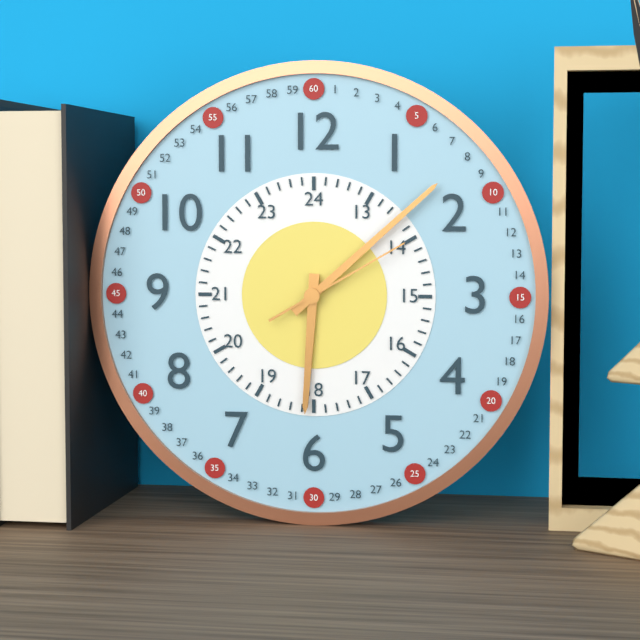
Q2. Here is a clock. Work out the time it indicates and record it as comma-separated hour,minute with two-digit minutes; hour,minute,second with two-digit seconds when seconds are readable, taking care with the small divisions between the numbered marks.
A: 6,08,10
